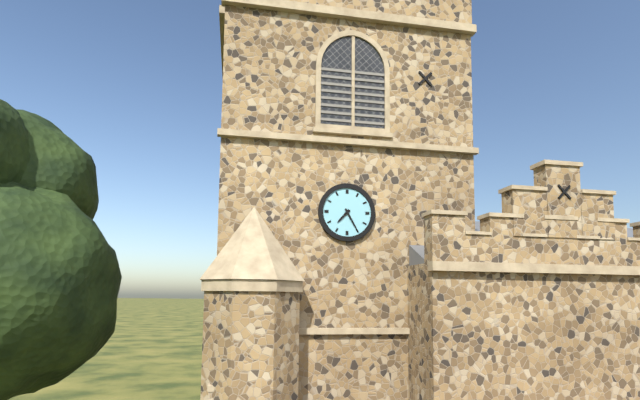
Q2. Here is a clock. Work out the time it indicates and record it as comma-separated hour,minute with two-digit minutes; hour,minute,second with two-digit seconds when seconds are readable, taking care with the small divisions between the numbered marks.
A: 7,25
